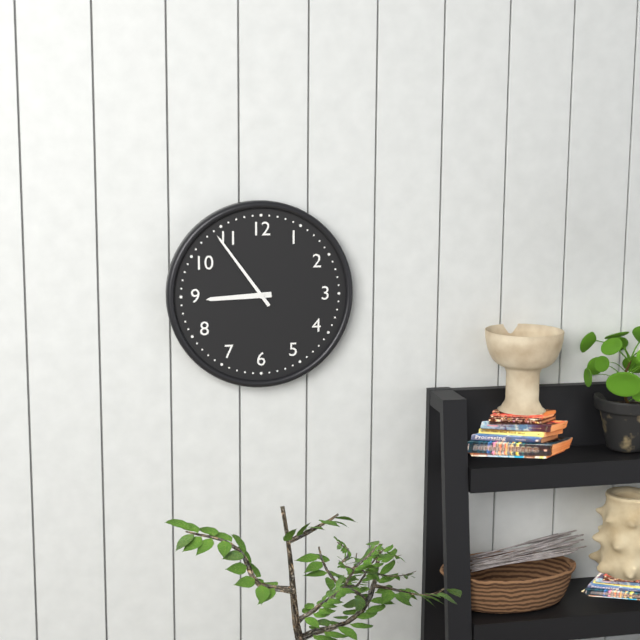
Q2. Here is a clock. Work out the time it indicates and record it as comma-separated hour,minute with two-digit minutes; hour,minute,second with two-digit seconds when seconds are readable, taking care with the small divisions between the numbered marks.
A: 8,54
